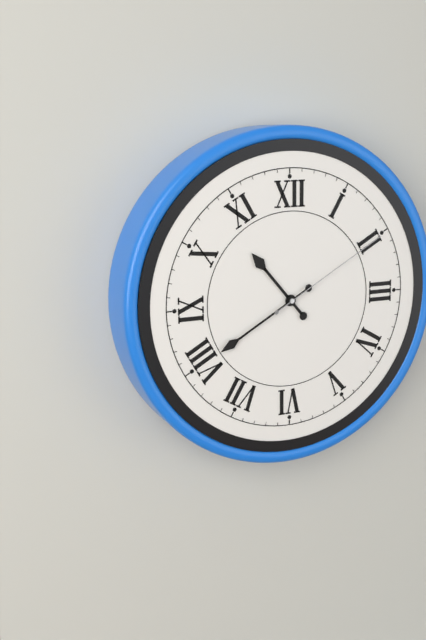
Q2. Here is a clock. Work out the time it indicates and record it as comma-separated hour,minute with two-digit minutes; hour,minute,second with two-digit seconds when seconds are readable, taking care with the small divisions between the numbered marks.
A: 10,40,10
